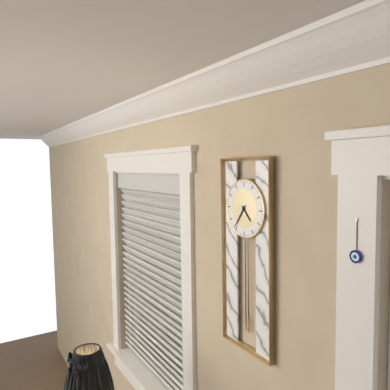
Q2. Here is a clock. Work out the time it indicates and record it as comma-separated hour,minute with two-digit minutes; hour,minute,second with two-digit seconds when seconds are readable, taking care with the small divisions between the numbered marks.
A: 4,36
